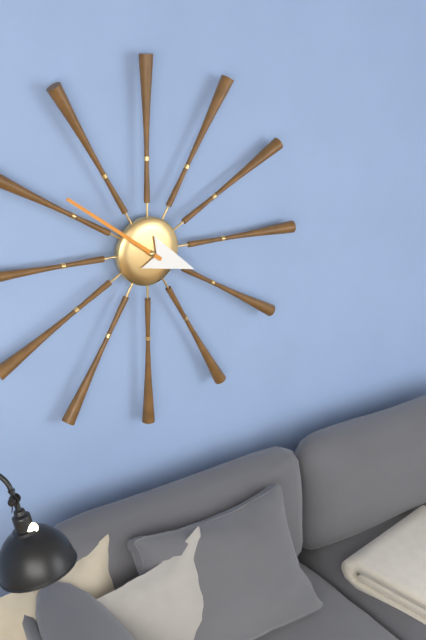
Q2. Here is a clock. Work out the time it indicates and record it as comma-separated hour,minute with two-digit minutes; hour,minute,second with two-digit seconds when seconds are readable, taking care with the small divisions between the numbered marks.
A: 3,51
